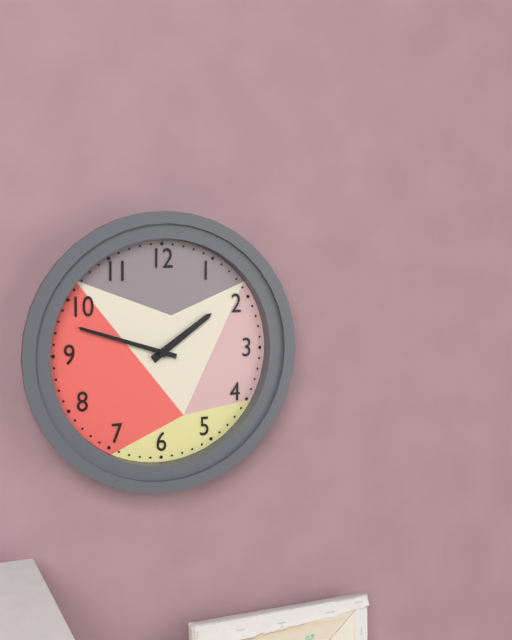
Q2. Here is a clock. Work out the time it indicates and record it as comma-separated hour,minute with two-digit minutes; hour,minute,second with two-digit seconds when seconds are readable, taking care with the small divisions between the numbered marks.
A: 1,48
